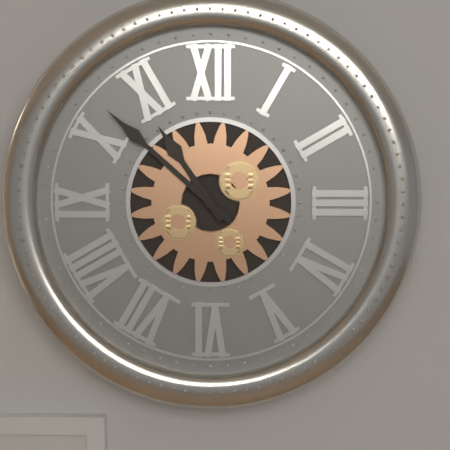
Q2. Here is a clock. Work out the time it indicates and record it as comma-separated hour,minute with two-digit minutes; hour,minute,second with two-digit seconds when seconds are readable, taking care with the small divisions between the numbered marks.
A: 10,52
